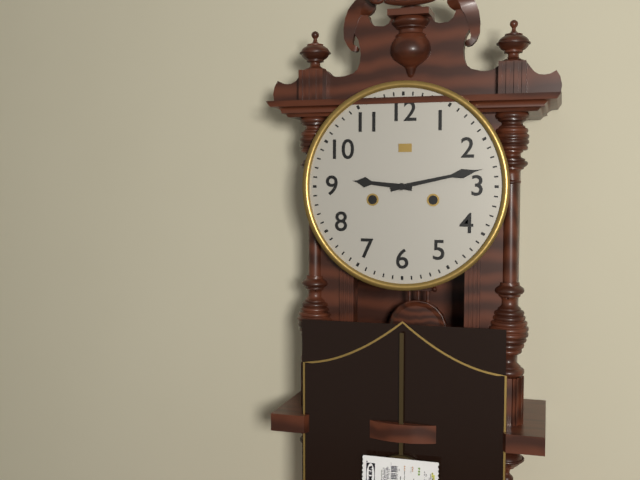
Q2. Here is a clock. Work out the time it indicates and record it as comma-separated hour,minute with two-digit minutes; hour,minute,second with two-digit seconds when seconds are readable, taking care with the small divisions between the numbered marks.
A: 9,13
